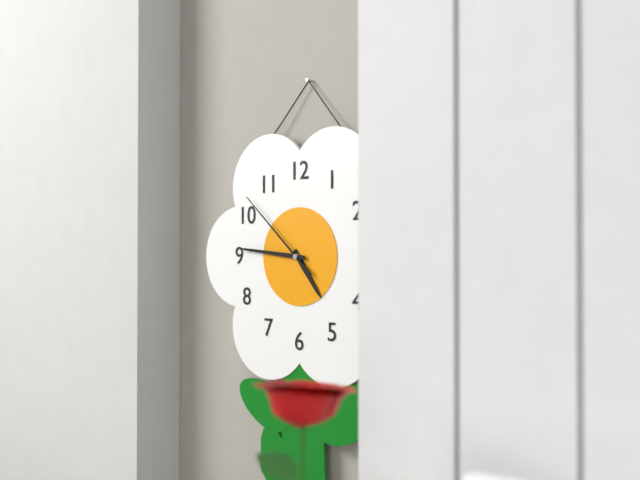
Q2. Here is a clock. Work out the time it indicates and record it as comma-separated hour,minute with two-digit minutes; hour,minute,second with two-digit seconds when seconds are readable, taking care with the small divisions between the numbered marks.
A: 4,46,52
